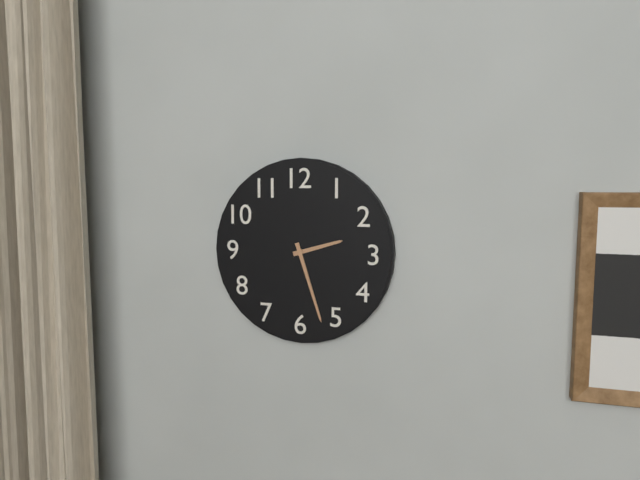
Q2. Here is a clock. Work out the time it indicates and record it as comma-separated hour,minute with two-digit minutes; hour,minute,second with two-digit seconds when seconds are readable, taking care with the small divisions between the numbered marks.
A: 2,27
